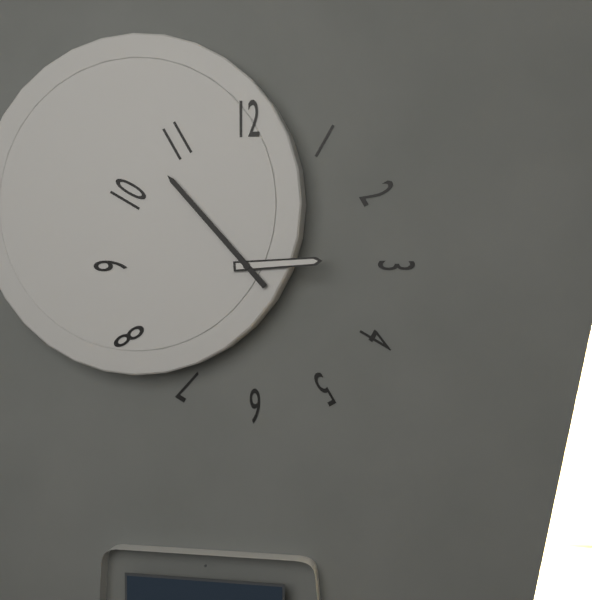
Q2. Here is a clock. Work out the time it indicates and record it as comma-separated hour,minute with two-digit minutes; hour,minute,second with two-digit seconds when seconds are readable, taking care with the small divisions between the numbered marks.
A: 2,53
